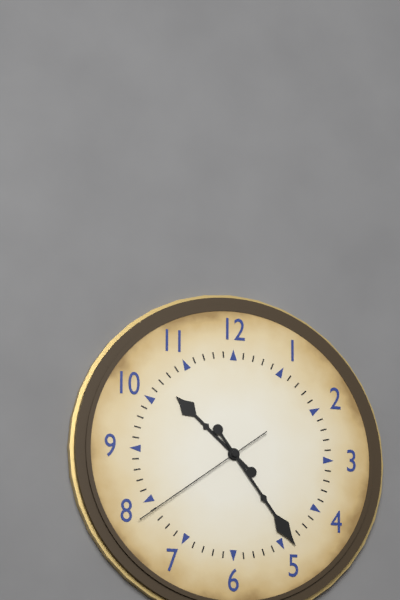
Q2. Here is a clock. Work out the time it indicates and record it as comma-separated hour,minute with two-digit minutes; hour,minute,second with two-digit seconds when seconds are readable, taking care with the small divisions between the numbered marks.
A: 10,24,39
